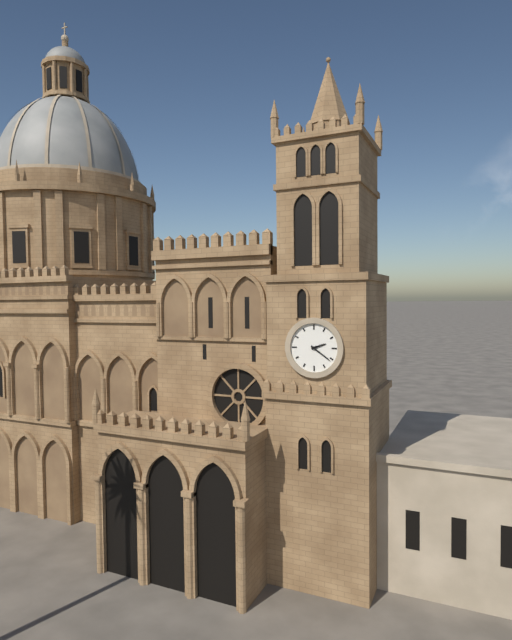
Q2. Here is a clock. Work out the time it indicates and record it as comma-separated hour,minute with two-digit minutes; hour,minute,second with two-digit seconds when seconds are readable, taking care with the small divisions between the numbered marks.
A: 2,21
